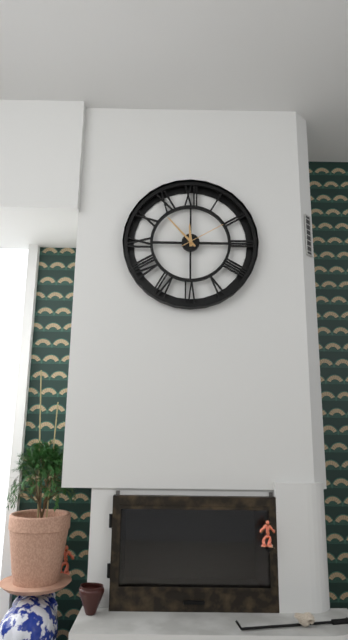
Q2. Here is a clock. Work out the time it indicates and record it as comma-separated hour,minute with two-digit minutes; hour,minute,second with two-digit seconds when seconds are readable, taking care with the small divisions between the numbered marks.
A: 11,53
